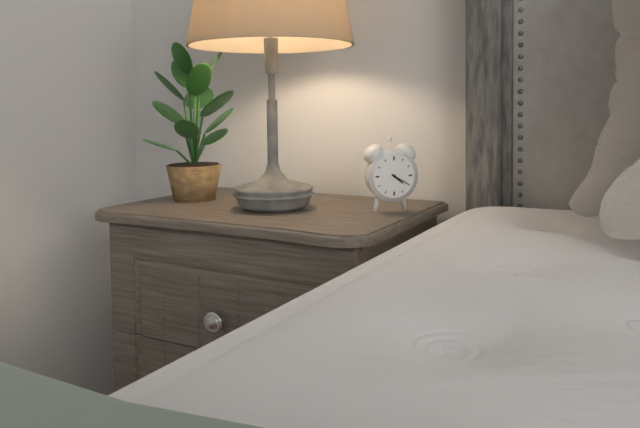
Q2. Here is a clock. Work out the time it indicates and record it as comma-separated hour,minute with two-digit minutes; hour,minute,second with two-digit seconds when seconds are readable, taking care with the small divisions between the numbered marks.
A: 4,20
